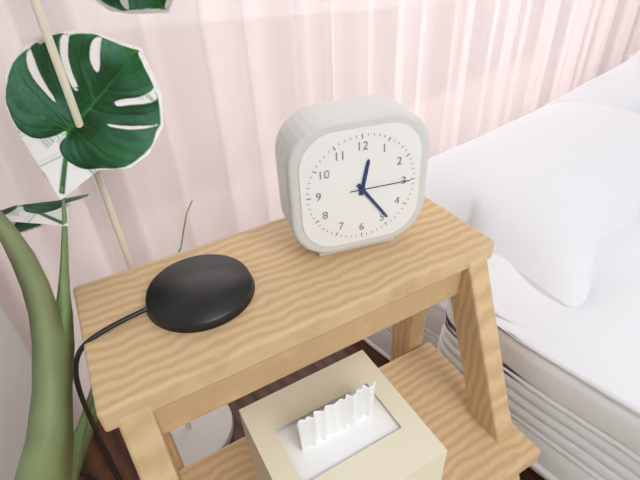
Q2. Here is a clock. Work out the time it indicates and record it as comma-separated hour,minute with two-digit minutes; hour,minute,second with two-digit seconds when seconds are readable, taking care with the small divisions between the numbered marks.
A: 12,24,15
